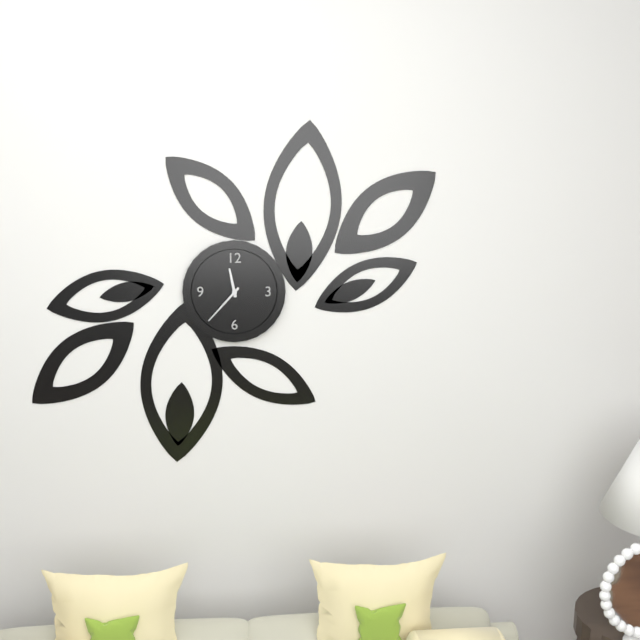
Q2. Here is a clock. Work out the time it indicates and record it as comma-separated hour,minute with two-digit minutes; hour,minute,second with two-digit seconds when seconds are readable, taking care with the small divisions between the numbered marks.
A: 11,37
